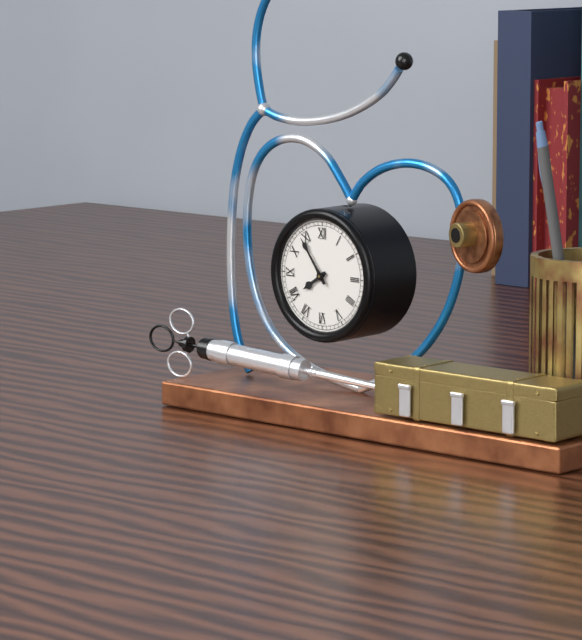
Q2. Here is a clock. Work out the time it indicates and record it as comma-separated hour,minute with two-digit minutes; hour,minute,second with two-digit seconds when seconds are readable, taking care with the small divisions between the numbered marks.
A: 7,54
